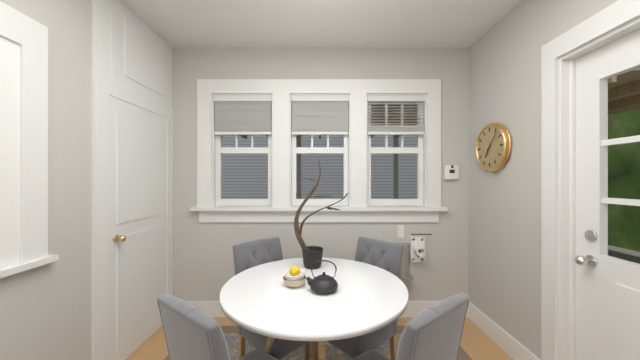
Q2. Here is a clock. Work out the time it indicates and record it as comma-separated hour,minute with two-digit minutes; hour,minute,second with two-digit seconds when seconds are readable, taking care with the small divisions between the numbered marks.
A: 7,07
